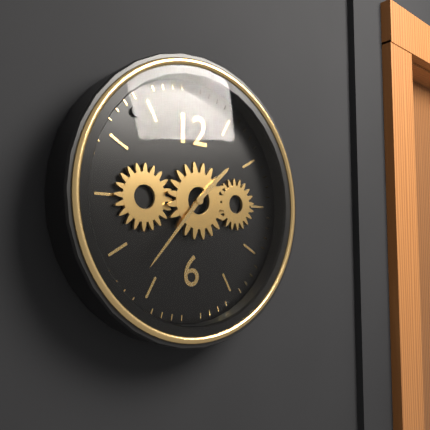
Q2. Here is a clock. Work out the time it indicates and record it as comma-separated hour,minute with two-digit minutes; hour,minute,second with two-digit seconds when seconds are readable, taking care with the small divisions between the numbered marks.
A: 1,37
